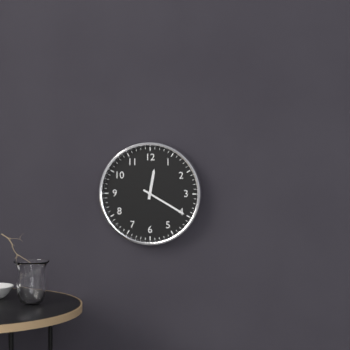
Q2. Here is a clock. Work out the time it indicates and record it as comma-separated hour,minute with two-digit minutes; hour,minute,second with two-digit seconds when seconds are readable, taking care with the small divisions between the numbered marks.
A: 12,20
